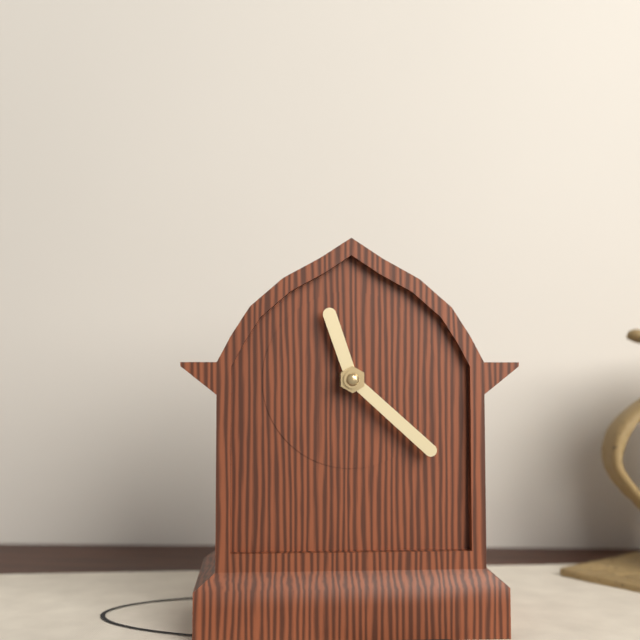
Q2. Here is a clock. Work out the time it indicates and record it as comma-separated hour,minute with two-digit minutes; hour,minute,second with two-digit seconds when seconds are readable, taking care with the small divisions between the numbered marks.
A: 11,22
